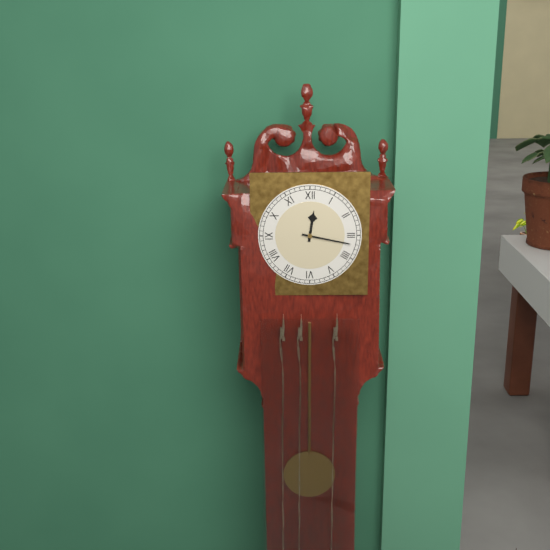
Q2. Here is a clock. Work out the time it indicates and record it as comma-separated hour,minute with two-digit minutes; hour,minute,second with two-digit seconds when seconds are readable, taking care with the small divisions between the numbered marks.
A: 12,17
